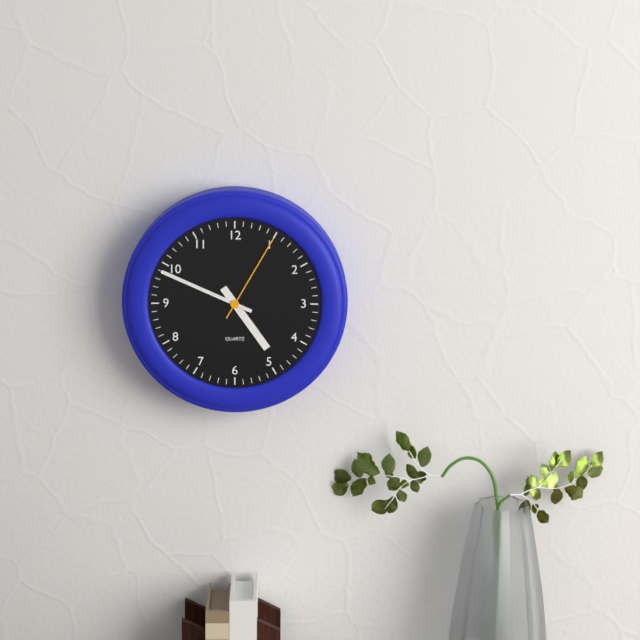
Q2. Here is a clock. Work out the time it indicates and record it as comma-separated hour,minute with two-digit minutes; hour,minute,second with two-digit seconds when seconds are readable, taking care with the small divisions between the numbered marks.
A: 4,49,05
